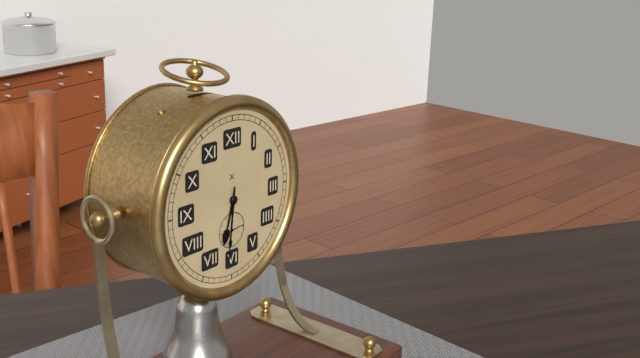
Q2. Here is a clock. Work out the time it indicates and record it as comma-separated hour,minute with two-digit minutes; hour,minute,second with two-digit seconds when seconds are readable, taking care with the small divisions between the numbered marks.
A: 6,31
